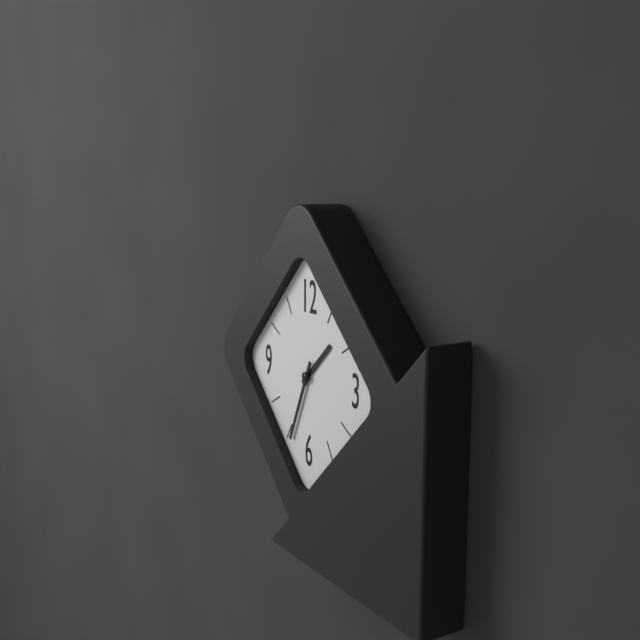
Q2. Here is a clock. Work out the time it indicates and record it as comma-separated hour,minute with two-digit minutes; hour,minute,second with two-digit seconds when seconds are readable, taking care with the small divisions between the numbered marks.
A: 1,34
